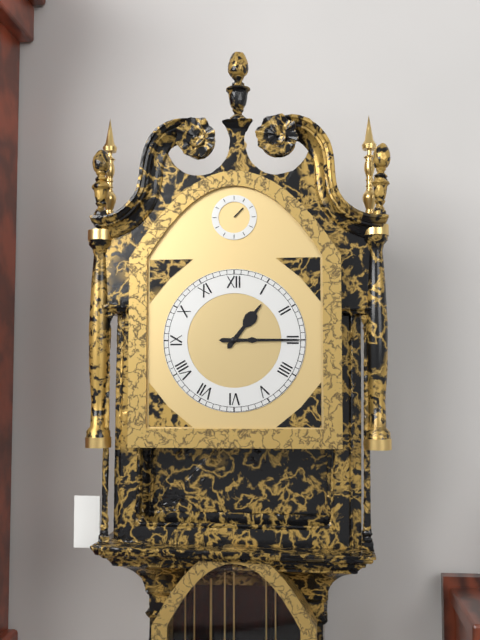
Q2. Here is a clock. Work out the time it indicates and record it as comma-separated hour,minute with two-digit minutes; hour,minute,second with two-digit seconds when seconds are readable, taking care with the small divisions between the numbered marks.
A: 1,15
